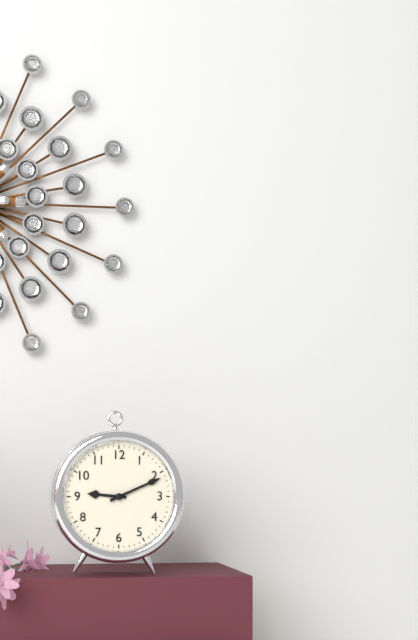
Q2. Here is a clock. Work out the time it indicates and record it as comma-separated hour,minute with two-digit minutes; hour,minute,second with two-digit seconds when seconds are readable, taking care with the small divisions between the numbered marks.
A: 9,11
